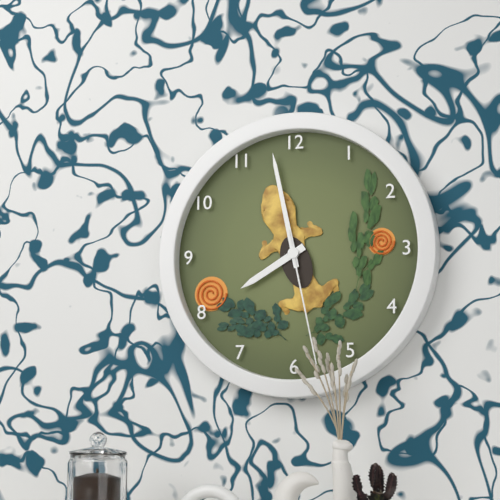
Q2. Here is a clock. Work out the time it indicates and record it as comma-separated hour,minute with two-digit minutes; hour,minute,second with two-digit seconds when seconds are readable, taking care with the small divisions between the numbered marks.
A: 7,58,28
